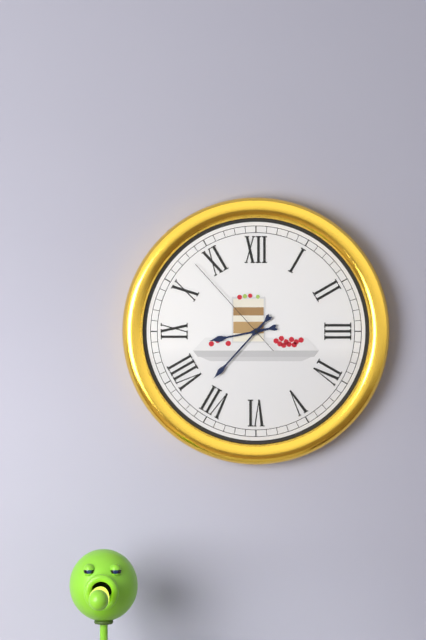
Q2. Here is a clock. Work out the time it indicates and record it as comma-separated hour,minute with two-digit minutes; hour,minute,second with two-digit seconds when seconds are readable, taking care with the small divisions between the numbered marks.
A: 8,37,53
